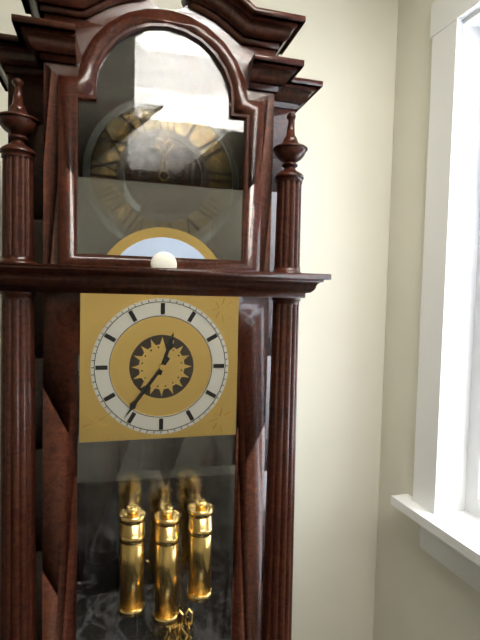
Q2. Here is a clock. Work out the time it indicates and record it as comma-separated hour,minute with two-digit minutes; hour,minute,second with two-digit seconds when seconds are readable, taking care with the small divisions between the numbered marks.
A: 12,36
